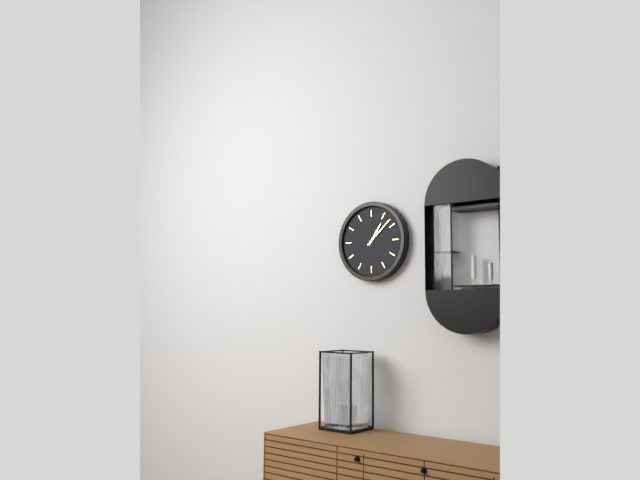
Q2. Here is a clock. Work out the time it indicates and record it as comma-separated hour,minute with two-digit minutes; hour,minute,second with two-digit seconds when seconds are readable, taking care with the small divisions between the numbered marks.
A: 1,08
